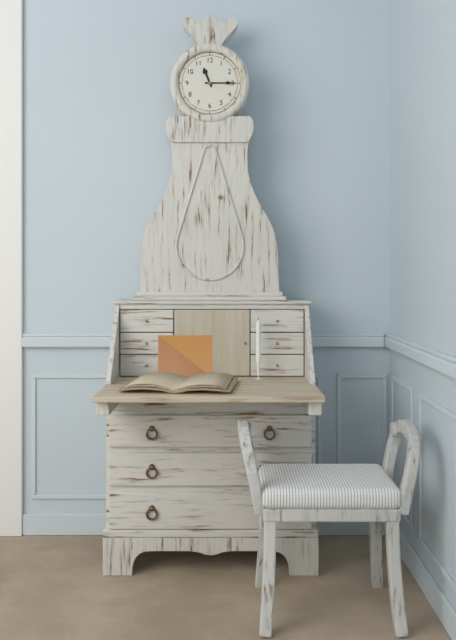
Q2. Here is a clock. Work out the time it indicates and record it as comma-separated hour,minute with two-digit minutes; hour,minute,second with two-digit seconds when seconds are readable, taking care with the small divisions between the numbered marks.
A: 11,15
